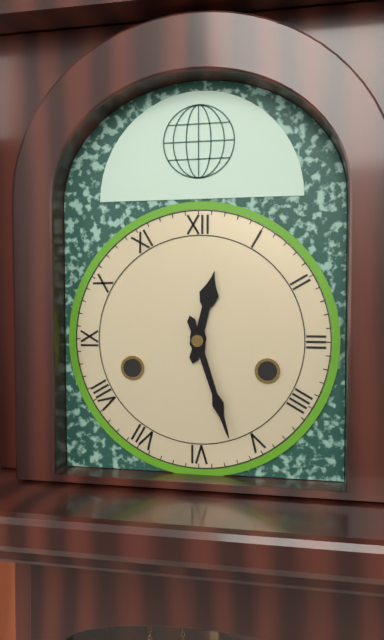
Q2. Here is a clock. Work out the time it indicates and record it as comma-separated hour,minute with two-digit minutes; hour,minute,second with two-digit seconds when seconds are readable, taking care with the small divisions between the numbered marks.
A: 12,27
